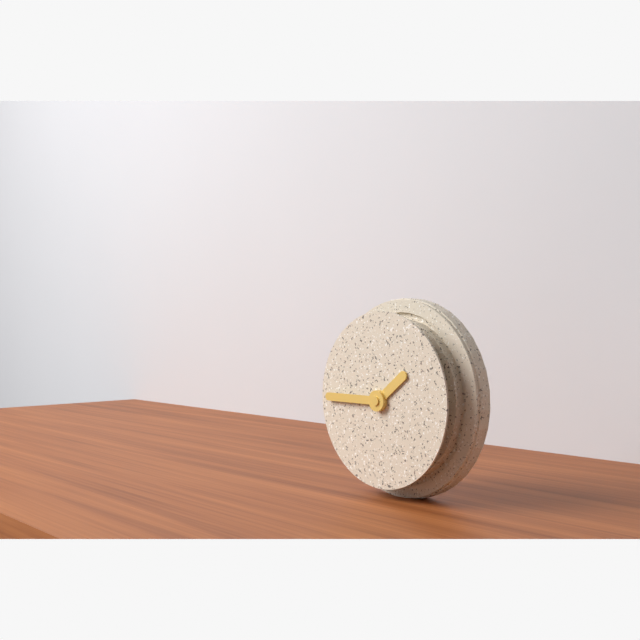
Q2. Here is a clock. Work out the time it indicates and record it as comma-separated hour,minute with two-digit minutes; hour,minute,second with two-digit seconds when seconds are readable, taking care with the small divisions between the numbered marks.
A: 1,45
